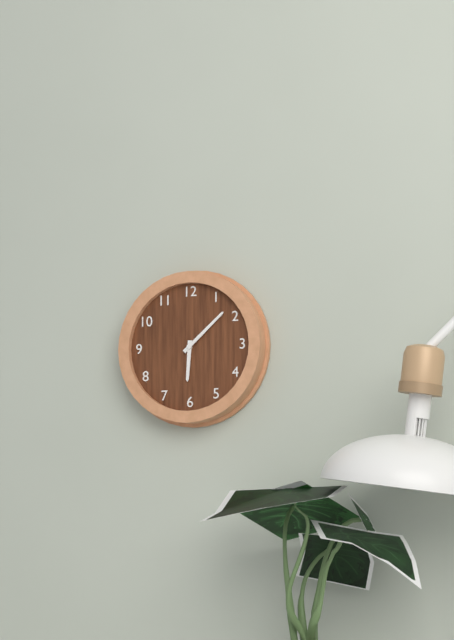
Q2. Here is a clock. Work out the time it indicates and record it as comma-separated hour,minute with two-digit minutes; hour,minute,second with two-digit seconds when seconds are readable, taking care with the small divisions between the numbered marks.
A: 6,08
